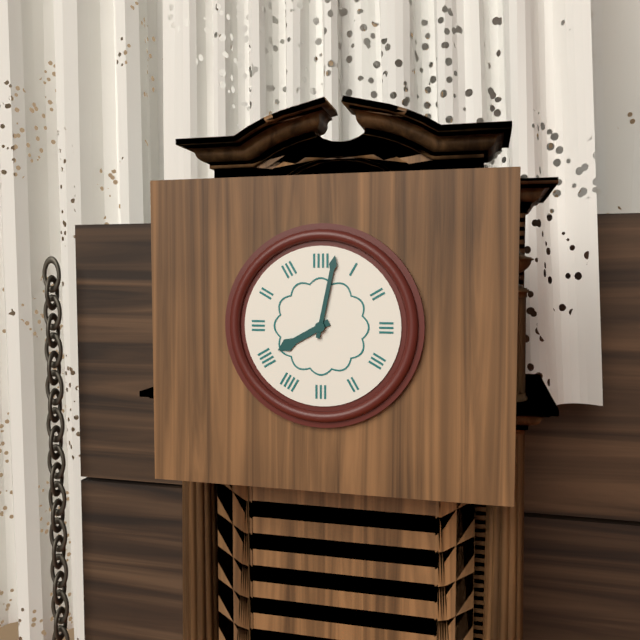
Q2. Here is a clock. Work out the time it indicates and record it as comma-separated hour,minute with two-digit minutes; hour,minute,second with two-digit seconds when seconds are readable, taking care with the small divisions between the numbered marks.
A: 8,02
